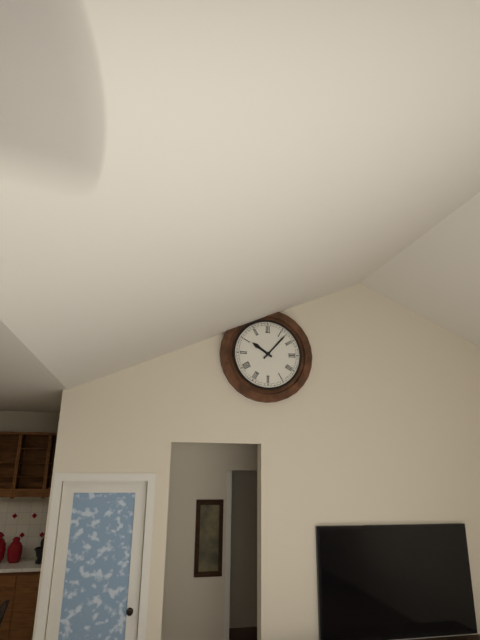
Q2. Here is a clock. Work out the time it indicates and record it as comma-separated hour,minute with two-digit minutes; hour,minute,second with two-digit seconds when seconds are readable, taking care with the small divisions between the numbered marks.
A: 10,07
